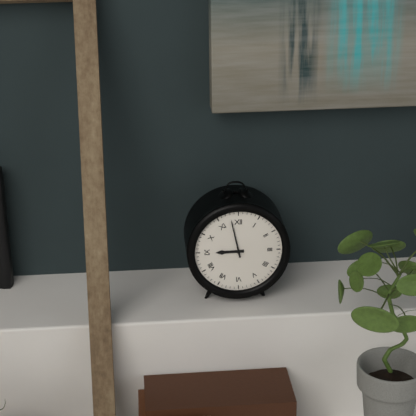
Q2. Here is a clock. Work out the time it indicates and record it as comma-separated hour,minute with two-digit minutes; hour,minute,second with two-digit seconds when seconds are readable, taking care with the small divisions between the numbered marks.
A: 8,58
